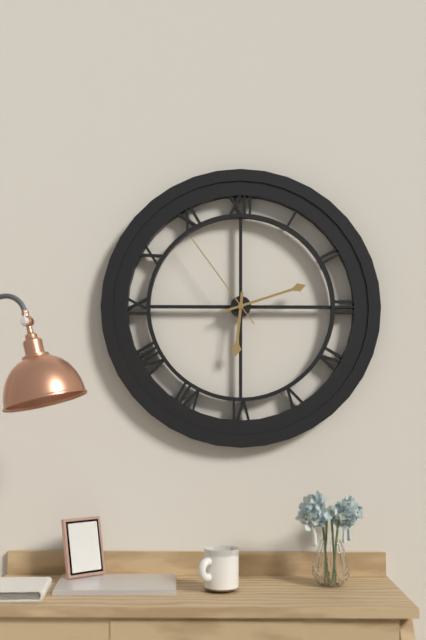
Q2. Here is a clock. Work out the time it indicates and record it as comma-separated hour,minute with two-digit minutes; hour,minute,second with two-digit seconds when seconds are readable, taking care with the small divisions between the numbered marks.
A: 6,12,54
